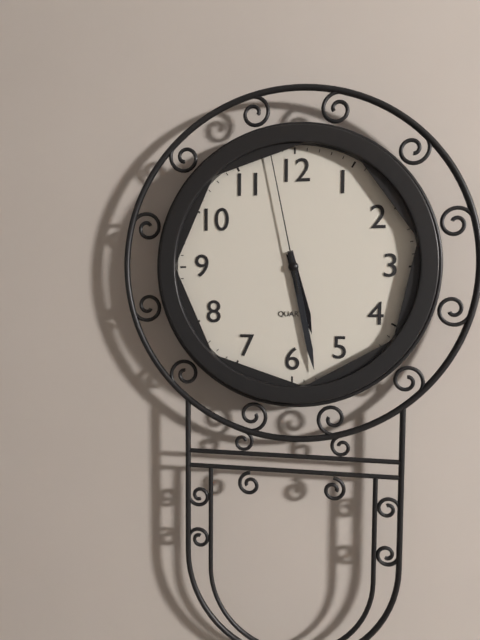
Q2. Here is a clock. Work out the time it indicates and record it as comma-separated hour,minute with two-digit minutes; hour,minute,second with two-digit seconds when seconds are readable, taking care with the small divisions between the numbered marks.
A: 5,28,58
